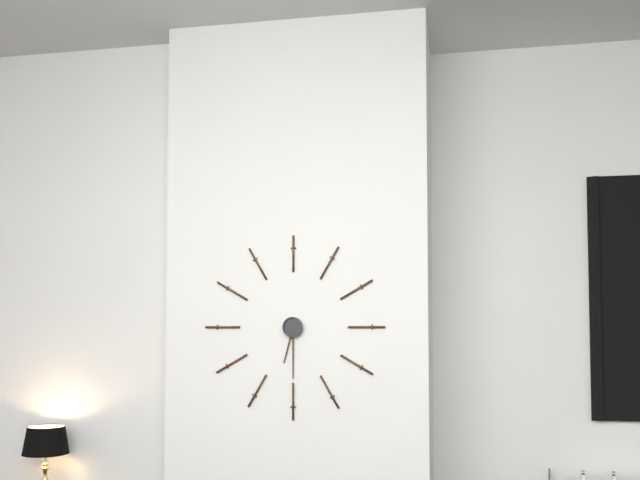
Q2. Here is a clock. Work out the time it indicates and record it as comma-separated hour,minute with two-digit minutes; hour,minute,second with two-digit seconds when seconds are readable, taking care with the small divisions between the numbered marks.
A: 6,30
